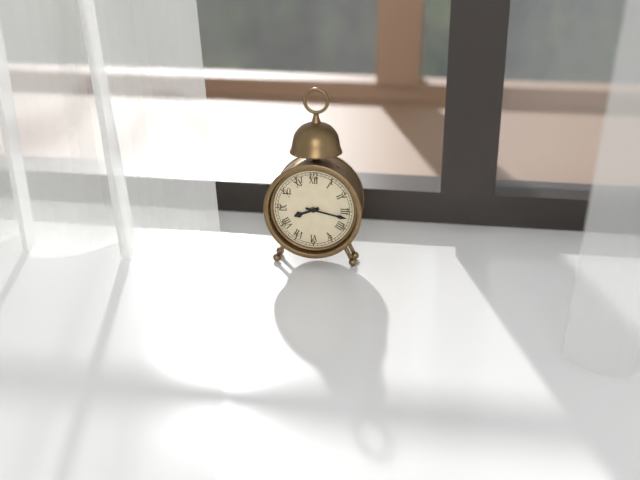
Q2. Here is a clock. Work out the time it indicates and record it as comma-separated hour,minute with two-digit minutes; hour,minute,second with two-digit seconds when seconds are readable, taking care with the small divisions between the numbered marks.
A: 8,17
